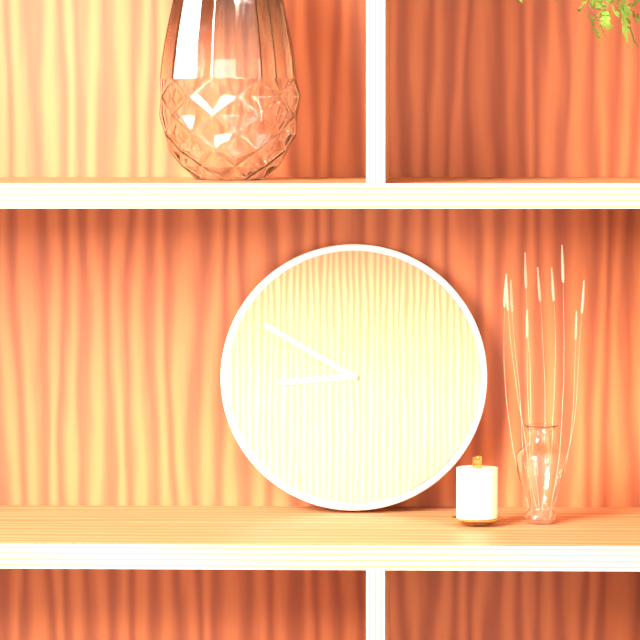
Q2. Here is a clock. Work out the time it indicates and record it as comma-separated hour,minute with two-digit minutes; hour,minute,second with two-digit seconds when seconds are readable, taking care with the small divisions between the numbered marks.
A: 8,50
